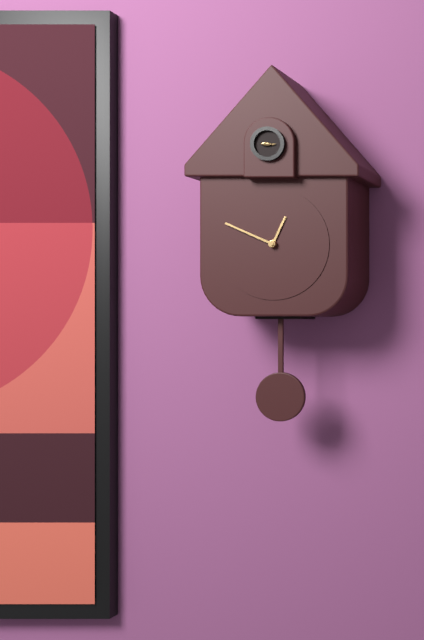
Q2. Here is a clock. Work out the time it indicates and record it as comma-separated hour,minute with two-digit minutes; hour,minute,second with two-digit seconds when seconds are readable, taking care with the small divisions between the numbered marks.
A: 12,49
